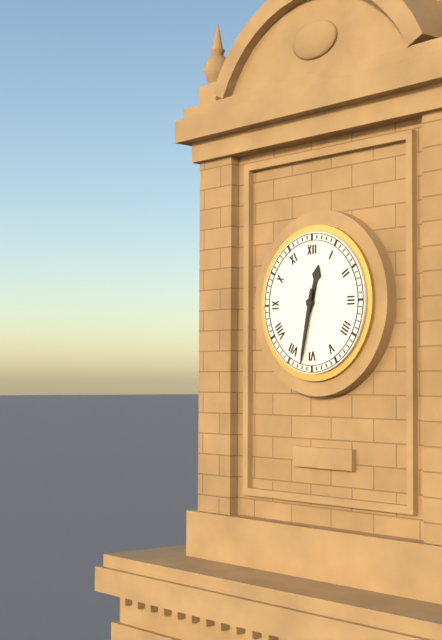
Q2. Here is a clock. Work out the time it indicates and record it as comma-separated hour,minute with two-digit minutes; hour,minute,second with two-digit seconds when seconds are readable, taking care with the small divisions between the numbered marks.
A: 12,32
